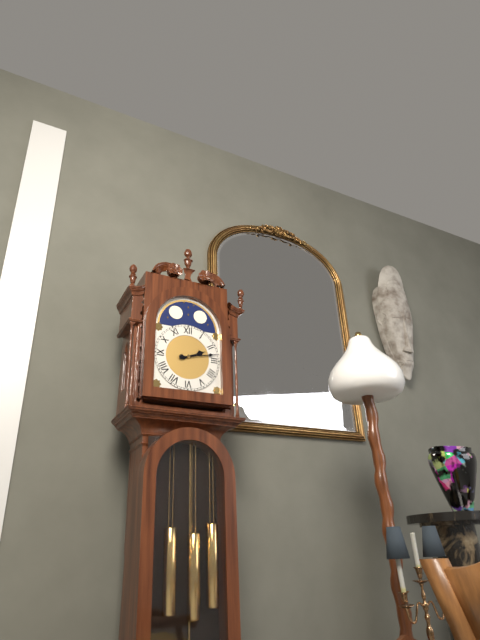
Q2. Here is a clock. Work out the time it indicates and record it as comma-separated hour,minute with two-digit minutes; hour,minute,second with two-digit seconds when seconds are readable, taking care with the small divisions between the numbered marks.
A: 2,13
